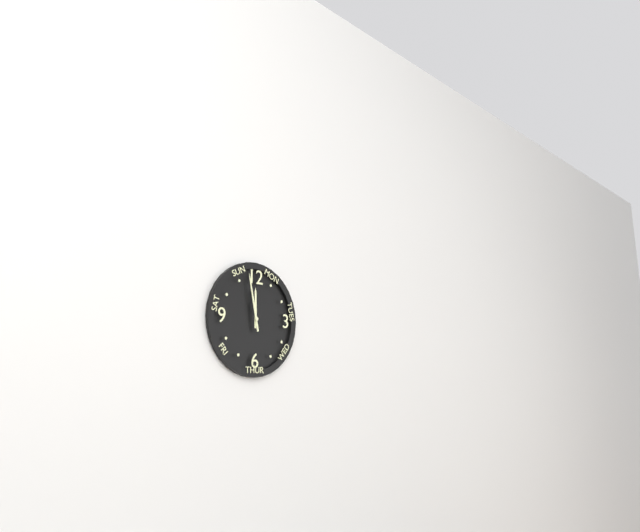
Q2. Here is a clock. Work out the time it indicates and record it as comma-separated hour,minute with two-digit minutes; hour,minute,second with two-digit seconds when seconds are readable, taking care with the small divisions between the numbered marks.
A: 11,58
